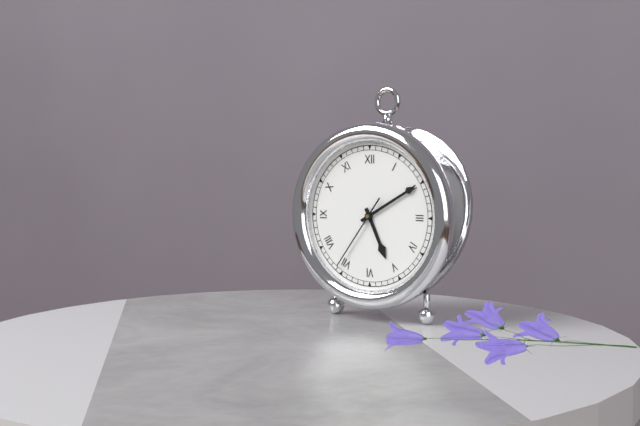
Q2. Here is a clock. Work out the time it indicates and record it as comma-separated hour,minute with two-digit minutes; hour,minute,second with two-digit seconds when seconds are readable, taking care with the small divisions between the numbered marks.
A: 5,10,36
